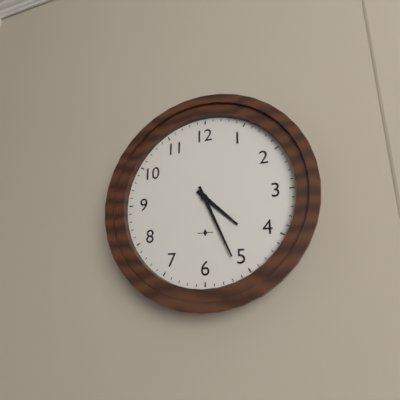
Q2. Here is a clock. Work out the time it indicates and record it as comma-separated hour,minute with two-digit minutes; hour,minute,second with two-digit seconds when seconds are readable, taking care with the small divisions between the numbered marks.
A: 4,26
